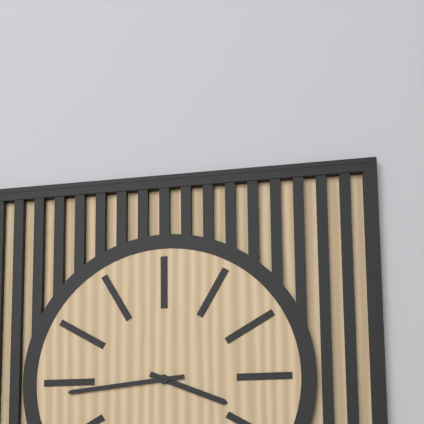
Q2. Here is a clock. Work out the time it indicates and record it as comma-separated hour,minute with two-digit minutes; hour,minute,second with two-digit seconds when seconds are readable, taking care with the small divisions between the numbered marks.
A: 3,44
